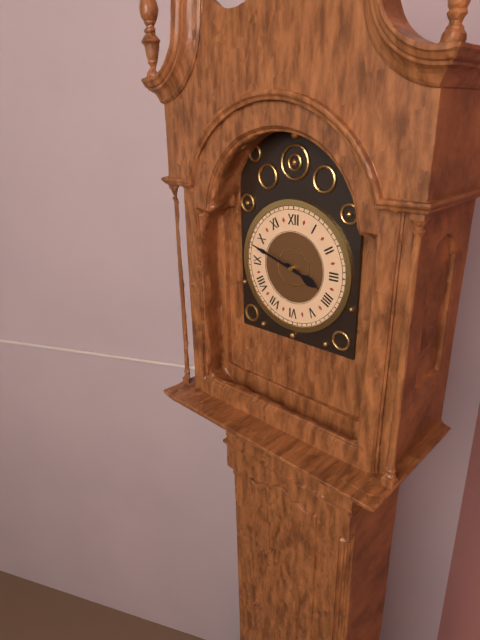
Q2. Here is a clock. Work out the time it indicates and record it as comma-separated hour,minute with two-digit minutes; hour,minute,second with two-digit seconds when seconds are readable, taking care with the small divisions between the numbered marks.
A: 3,48
